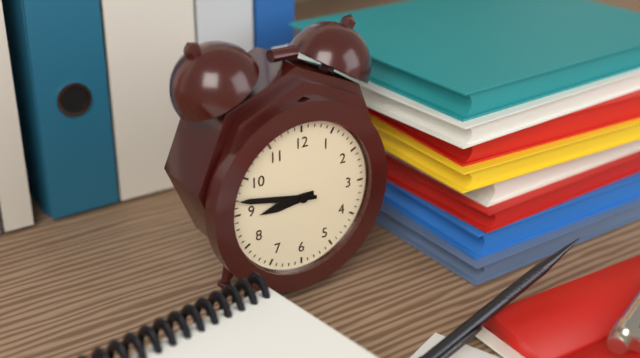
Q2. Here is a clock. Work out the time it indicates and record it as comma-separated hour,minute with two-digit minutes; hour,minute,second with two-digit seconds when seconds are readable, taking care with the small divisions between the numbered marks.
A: 8,47
